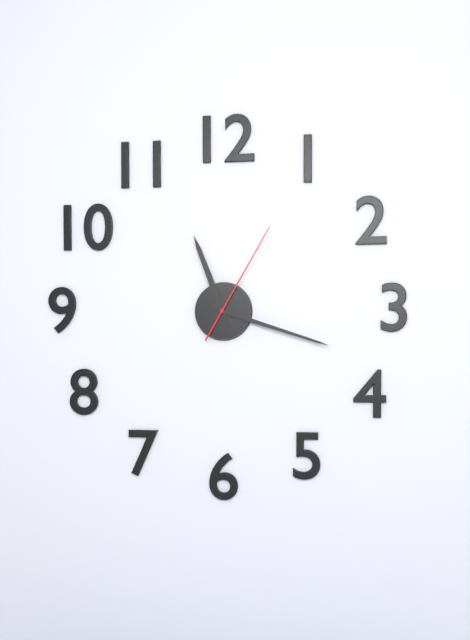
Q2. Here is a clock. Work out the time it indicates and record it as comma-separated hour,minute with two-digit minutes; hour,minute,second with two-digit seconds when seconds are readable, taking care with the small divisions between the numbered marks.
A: 11,18,05
